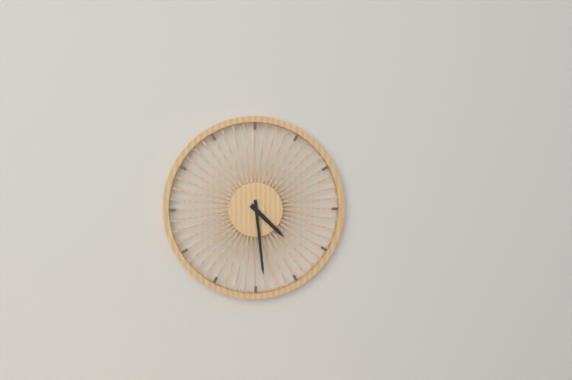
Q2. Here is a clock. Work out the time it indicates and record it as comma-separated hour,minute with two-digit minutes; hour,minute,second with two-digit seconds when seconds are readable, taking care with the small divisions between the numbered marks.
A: 4,29
